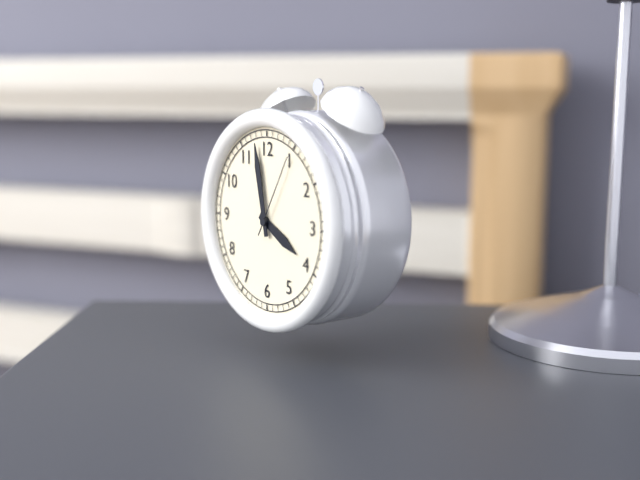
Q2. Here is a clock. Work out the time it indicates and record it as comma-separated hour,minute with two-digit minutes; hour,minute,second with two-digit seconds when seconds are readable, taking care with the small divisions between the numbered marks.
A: 3,58,05
